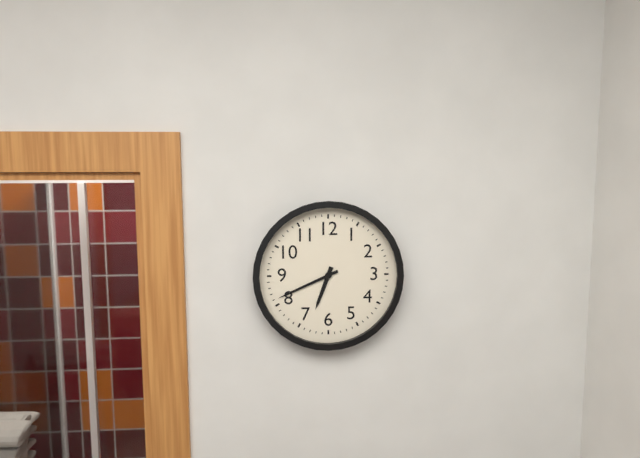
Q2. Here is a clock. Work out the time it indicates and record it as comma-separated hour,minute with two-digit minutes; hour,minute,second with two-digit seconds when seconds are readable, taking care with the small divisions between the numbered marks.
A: 6,41
